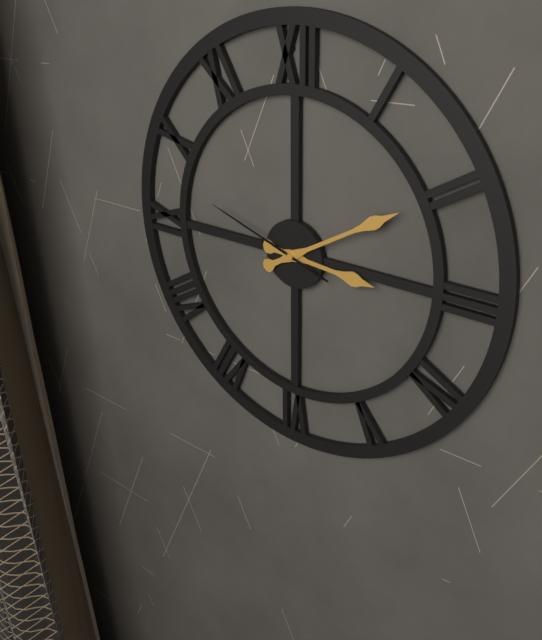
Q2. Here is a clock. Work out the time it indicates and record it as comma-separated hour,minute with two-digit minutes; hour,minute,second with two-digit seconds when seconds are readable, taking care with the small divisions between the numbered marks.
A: 3,10,48
